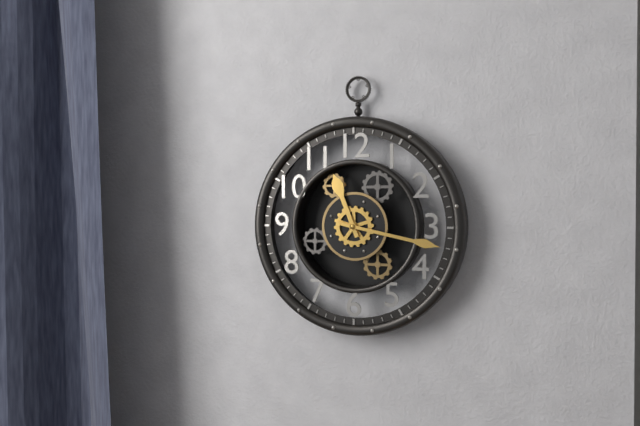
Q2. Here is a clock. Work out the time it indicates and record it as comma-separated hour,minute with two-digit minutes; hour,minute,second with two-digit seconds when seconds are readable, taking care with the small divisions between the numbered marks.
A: 11,17
